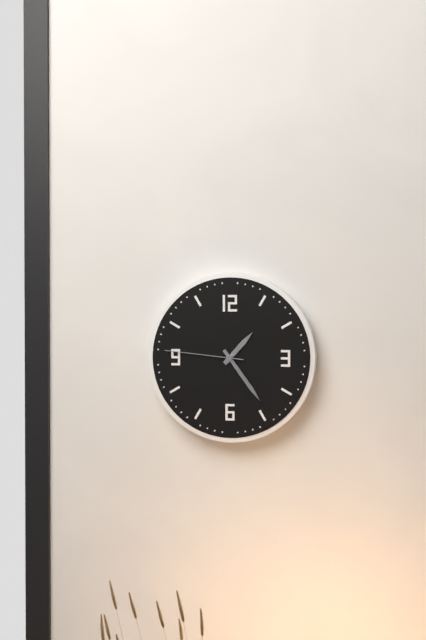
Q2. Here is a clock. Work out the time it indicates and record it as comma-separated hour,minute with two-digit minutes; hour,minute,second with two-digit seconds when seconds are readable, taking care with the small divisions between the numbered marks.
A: 1,24,46
